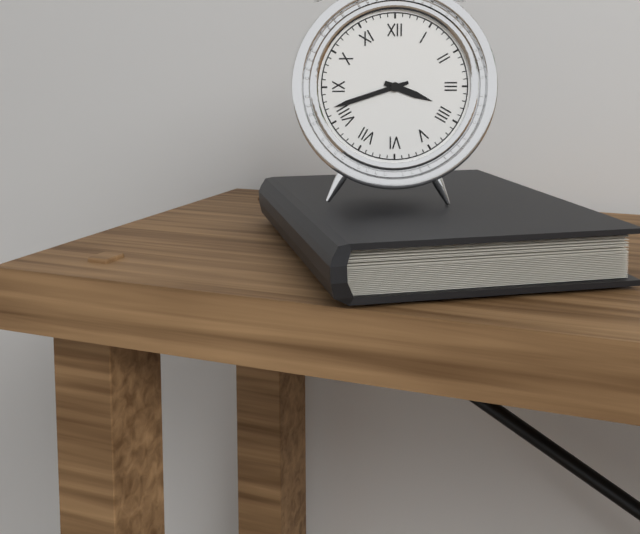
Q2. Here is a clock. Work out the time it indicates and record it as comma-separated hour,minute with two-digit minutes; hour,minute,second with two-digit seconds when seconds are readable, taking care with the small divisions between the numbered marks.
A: 3,42
